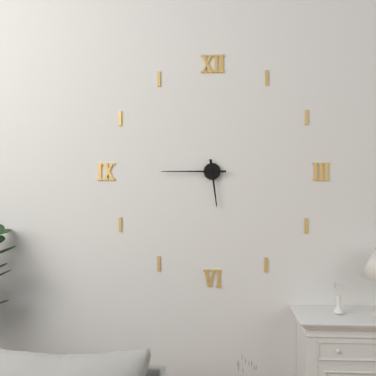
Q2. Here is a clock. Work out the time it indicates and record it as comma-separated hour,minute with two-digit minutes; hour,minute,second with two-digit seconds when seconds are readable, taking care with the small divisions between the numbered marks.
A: 5,45
